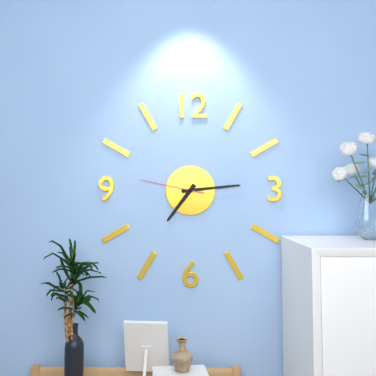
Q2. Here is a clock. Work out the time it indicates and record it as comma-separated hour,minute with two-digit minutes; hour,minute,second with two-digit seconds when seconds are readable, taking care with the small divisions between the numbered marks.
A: 7,14,47
